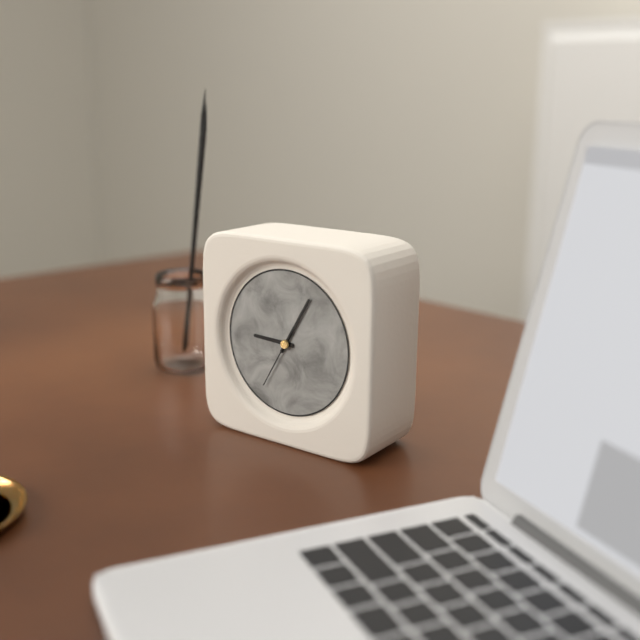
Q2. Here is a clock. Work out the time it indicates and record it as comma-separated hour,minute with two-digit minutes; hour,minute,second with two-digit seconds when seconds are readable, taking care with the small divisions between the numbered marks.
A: 9,05,35
